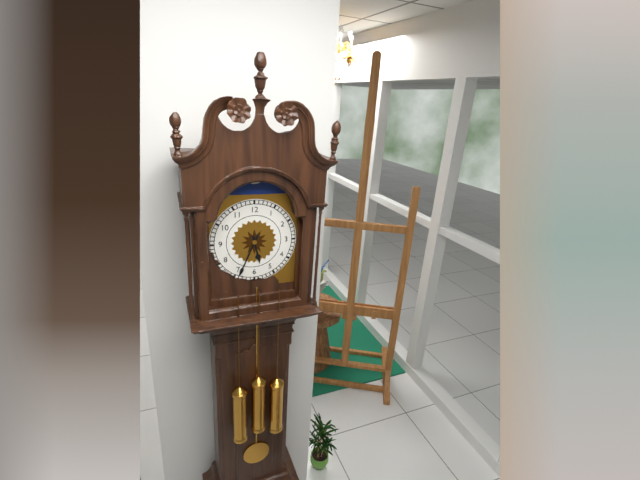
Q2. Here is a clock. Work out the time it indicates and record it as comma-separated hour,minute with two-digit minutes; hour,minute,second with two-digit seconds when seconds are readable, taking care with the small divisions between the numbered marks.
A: 5,34
